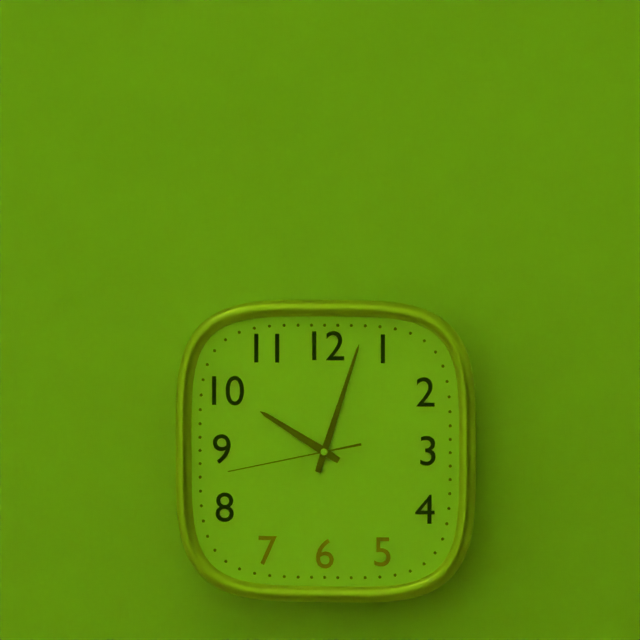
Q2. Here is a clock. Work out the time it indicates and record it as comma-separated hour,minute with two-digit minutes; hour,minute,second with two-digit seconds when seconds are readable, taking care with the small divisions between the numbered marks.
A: 10,03,43
